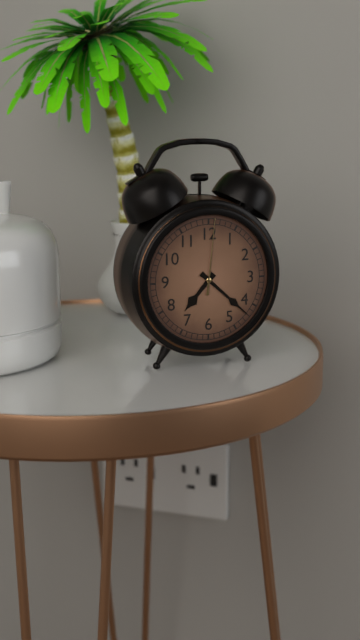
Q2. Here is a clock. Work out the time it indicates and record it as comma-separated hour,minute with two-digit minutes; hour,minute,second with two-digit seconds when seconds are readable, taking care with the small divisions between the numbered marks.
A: 7,22,01
